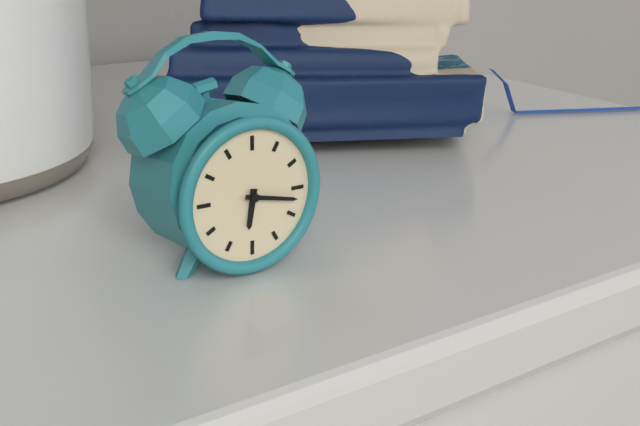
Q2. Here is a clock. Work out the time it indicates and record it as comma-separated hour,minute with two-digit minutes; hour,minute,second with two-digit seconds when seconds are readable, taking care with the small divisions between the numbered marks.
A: 6,17
